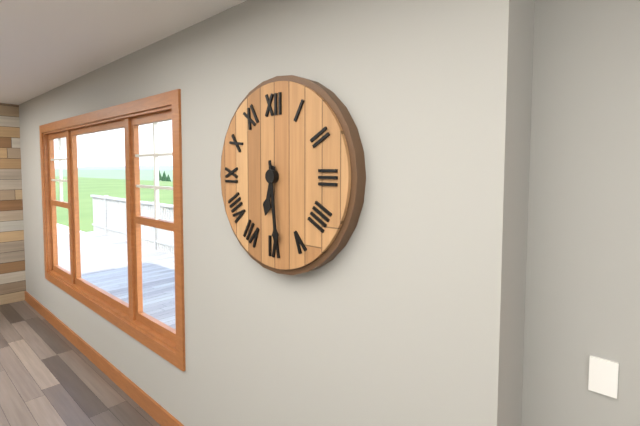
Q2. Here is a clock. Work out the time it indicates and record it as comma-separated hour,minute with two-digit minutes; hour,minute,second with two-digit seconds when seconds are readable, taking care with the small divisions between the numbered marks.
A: 6,29
